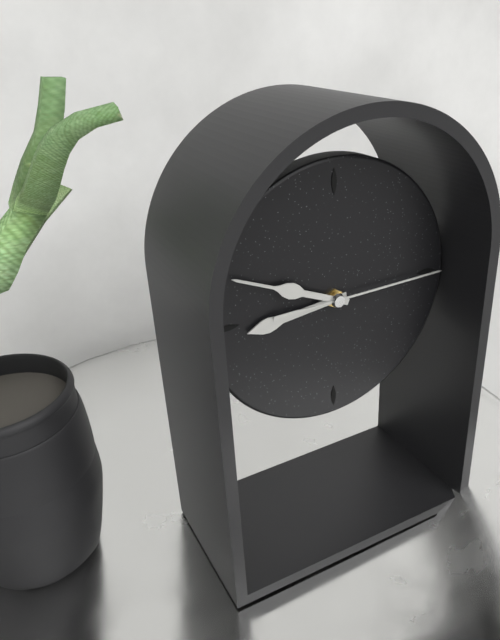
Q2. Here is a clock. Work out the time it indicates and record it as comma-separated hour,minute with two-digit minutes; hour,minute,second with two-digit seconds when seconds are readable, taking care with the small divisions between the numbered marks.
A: 8,49,15
